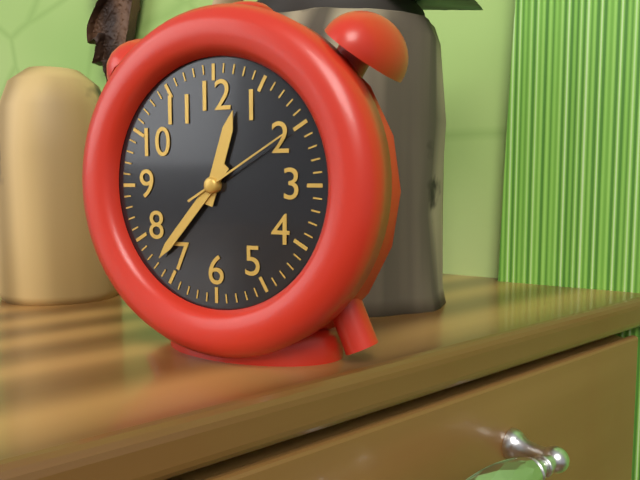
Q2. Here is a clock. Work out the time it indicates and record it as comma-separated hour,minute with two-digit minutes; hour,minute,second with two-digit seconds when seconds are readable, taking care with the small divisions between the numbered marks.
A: 12,37,10
